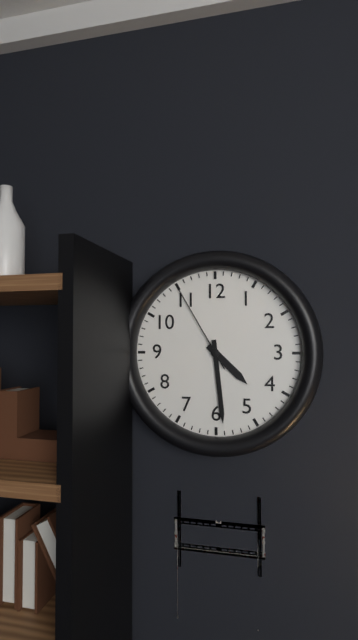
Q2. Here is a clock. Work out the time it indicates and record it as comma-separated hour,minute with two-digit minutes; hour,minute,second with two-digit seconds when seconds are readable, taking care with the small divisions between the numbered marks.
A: 4,29,55
